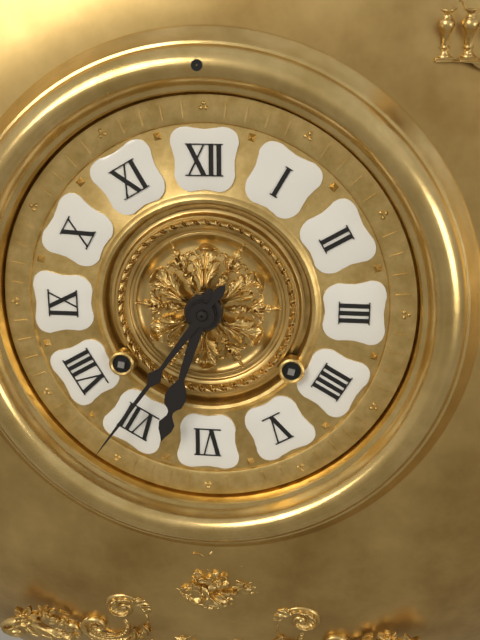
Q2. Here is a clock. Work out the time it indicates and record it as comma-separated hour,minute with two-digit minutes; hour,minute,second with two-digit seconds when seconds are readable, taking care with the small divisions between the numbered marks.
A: 6,36
